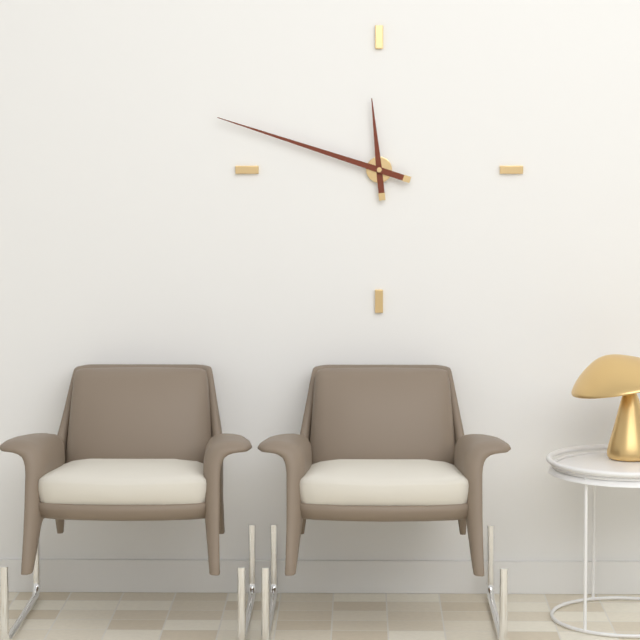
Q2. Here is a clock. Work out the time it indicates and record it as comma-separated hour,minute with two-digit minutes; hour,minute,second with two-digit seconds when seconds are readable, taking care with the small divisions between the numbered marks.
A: 11,48
